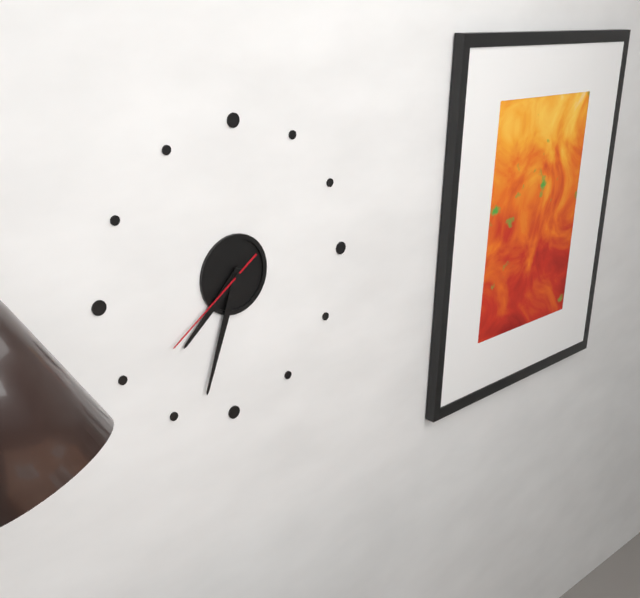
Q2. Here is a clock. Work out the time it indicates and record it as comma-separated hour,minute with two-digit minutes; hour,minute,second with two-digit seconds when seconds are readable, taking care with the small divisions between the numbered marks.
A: 7,33,39
